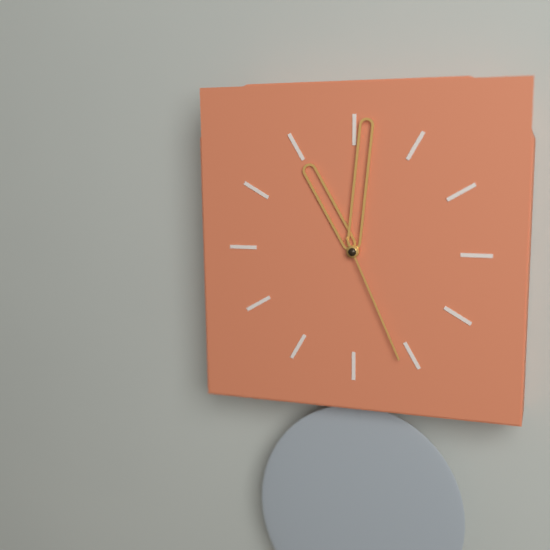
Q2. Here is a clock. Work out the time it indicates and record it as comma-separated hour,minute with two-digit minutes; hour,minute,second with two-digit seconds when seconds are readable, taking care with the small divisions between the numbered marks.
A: 11,01,26
